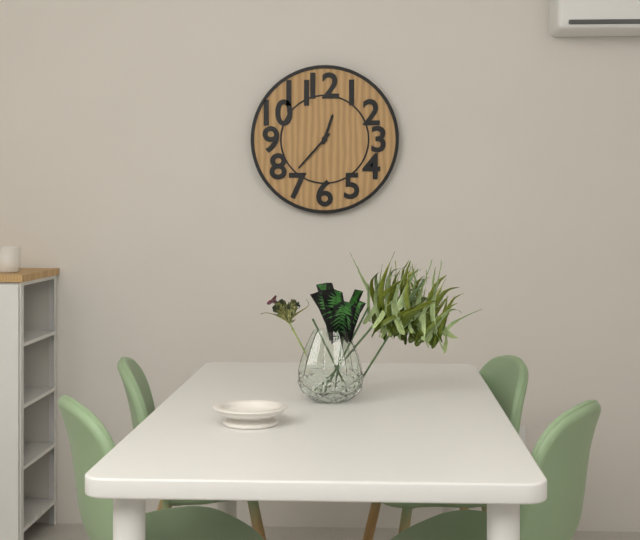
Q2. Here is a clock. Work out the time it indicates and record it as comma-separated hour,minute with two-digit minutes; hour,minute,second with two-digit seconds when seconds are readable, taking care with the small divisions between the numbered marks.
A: 12,37
